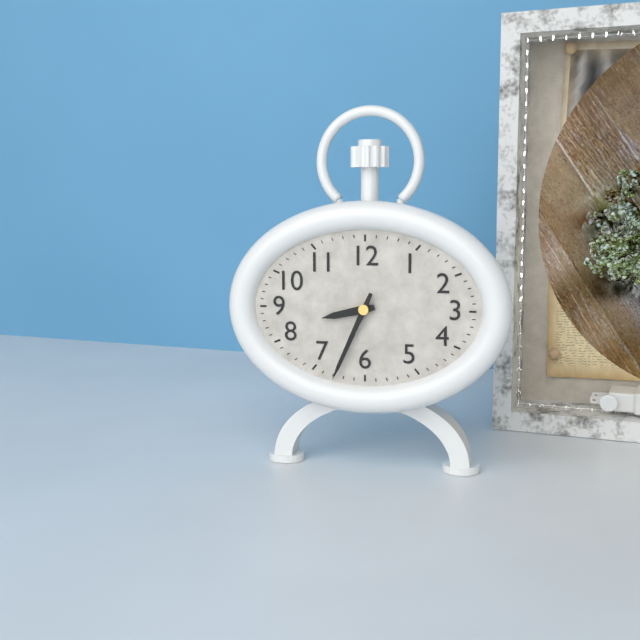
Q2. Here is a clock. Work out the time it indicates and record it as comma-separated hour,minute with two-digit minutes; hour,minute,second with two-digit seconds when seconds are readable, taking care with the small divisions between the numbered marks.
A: 8,34
